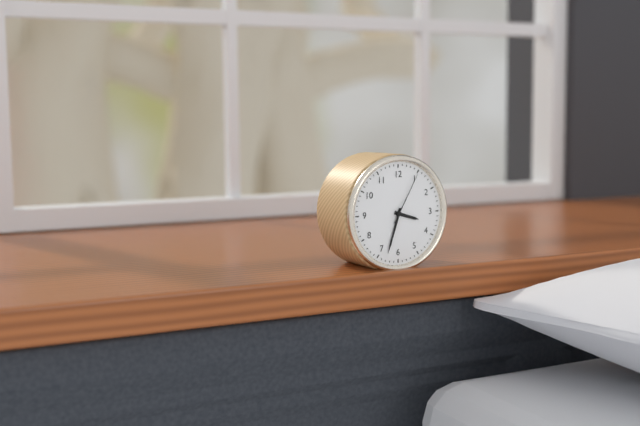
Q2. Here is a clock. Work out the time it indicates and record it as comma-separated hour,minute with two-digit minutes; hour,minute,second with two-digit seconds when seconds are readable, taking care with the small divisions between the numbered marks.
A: 3,33,05
